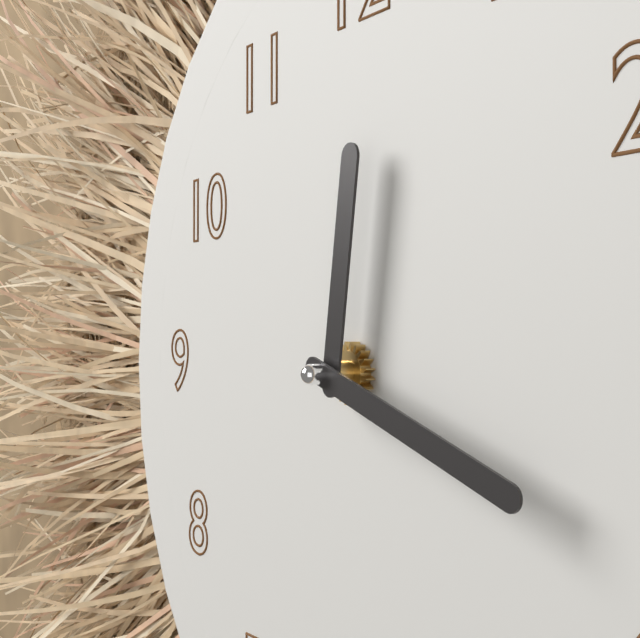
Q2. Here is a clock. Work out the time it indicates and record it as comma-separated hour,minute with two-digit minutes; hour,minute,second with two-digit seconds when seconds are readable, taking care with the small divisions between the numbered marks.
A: 12,18
